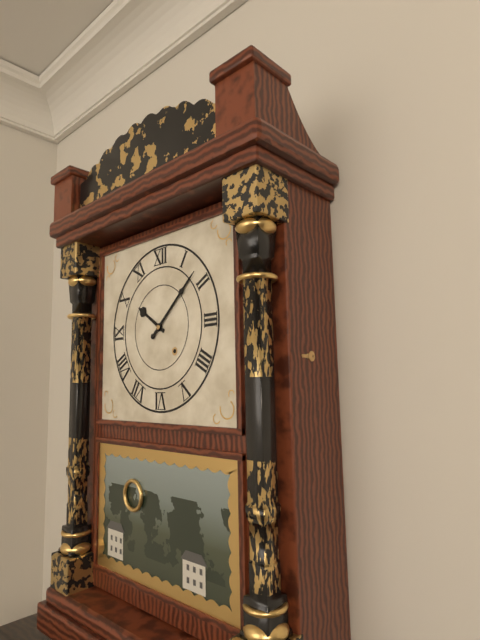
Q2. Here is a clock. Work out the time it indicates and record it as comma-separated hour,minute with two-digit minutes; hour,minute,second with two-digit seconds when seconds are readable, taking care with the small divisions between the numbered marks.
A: 10,08
